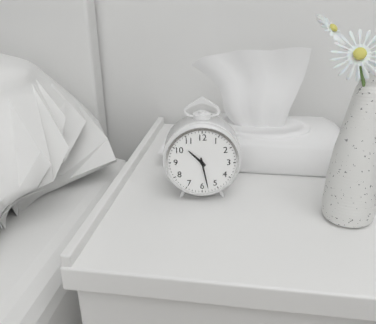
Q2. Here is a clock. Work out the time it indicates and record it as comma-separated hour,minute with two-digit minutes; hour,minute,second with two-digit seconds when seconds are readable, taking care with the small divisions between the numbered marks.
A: 10,28
